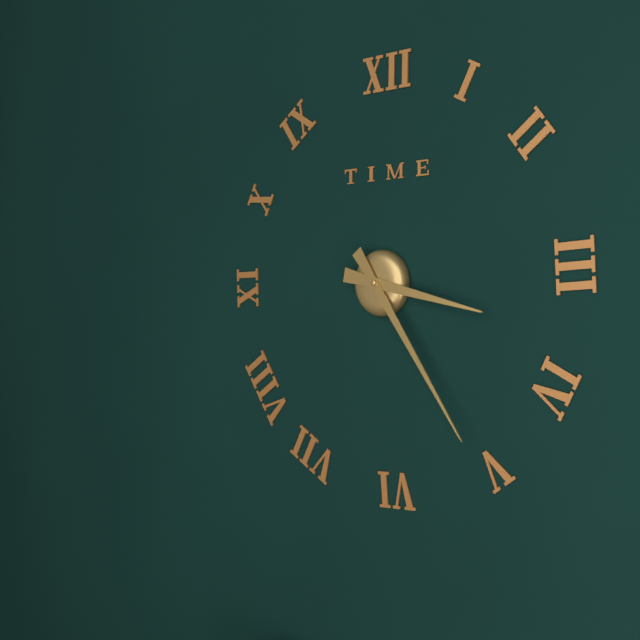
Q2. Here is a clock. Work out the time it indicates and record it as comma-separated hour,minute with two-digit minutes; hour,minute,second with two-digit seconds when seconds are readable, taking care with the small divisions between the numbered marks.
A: 3,24
